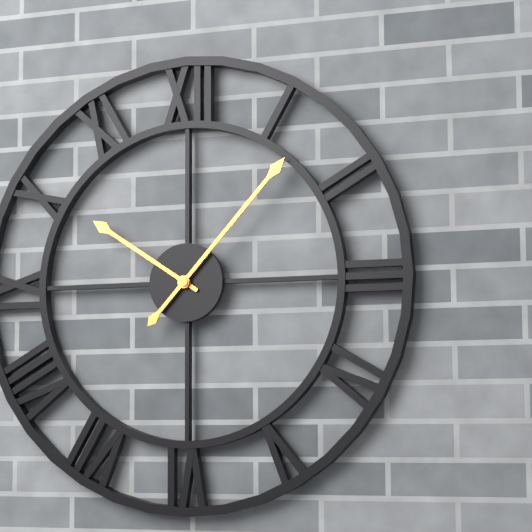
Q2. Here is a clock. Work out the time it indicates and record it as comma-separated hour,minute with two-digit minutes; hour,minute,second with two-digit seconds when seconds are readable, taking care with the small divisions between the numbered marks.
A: 10,07
